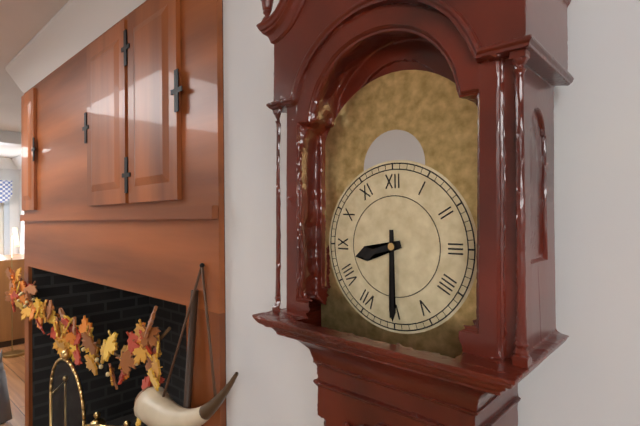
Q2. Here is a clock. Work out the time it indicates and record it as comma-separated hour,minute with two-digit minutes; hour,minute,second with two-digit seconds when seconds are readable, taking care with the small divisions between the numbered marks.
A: 8,30
